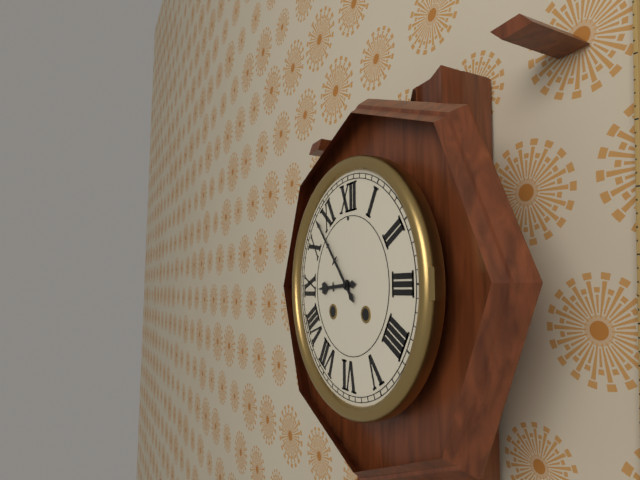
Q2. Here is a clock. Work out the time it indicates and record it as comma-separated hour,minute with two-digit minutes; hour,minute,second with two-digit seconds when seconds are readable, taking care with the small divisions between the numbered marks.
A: 8,53
